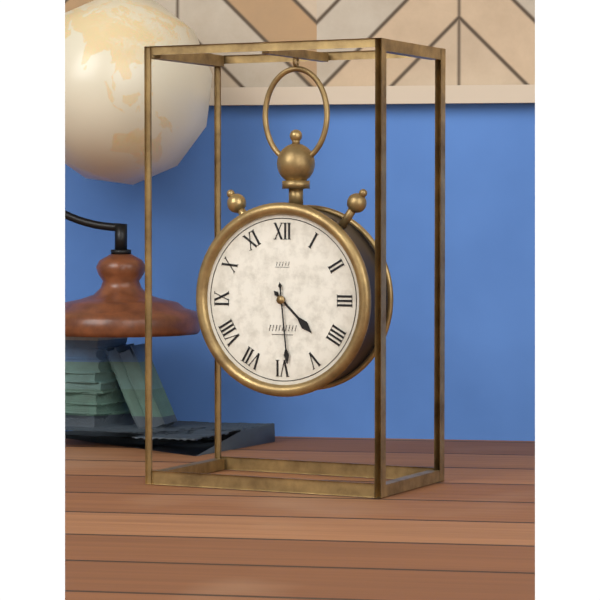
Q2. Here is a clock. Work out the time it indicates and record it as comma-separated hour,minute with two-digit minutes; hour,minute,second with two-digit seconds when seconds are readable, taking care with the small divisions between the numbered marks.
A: 4,29
